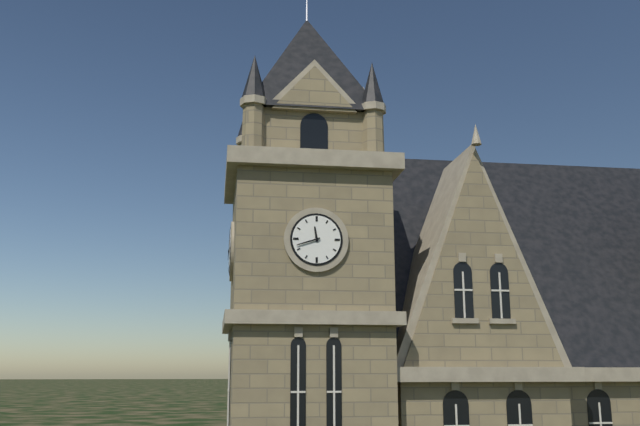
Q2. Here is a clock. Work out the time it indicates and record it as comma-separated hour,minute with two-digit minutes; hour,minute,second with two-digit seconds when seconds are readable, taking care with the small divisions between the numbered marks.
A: 11,42
